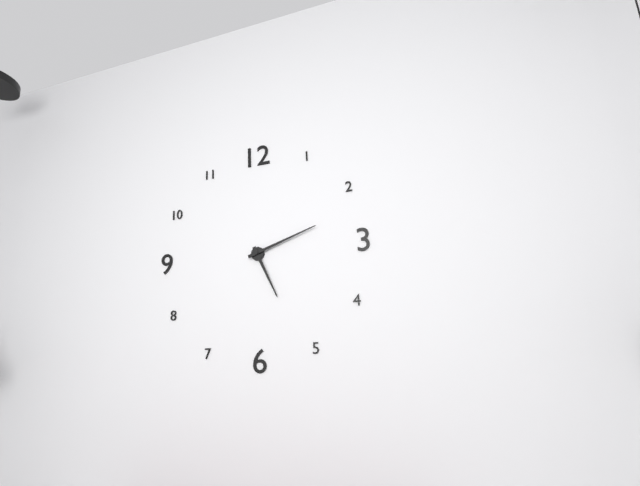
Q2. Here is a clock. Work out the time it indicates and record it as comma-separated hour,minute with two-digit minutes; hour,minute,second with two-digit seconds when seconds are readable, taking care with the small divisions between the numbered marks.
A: 5,12
